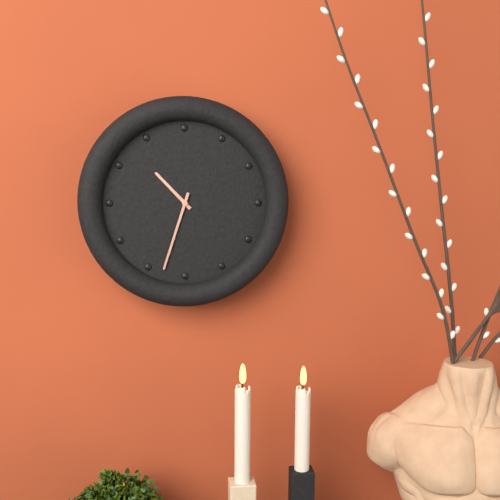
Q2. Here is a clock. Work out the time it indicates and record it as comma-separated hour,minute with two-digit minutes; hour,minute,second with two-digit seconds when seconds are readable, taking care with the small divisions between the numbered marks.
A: 10,33
